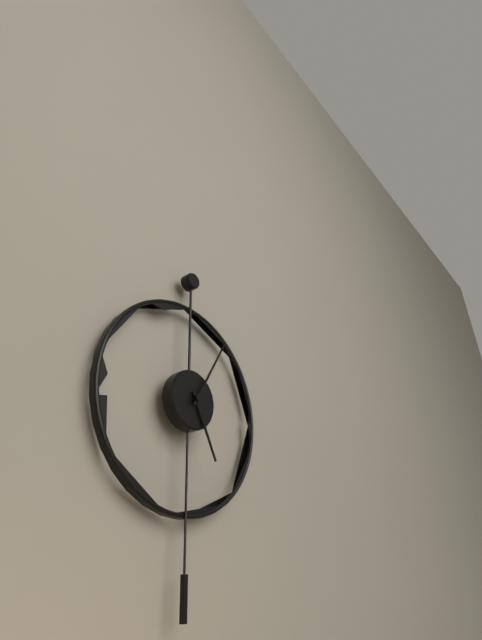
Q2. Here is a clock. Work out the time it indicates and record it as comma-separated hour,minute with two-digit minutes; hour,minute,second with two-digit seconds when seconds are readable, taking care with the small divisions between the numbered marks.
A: 5,05
